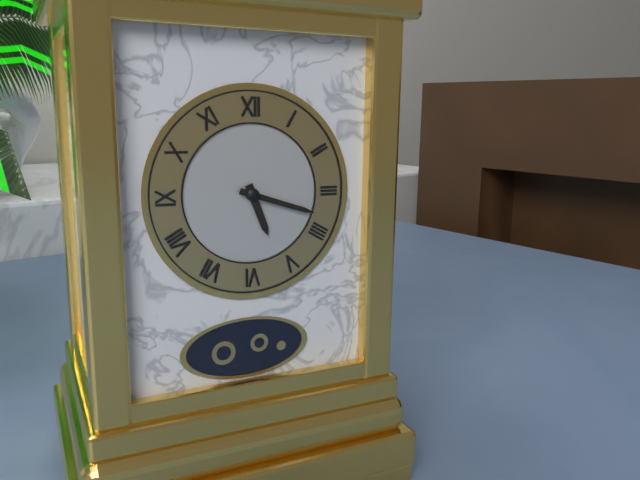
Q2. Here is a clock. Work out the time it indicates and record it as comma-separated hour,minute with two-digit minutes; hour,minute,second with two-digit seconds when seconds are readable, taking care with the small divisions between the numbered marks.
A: 5,18
